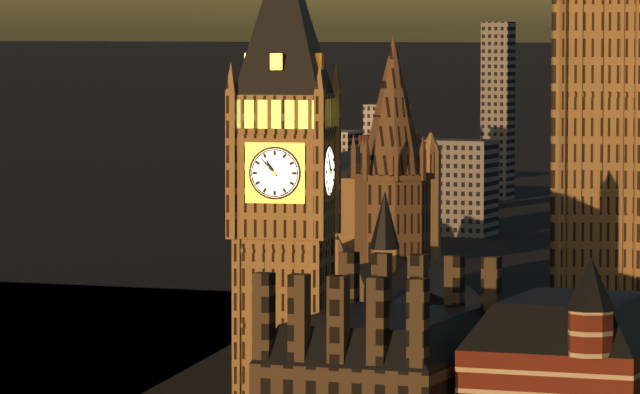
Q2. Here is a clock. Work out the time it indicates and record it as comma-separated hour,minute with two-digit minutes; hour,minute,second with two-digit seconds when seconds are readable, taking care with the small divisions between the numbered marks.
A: 10,53
